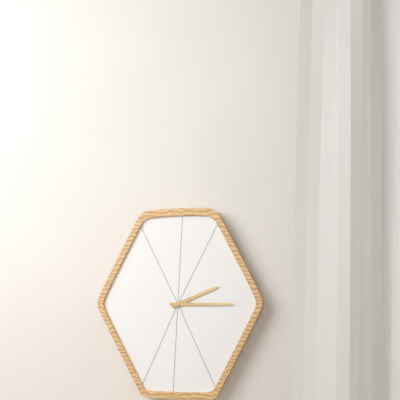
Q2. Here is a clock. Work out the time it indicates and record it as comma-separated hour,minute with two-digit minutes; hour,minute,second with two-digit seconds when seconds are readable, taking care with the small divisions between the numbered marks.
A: 2,15
